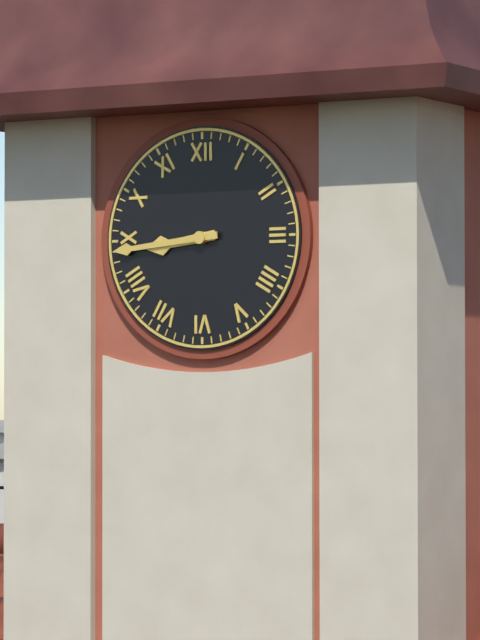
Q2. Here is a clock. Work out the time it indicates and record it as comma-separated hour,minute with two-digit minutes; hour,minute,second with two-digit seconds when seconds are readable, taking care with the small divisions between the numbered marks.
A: 8,44
